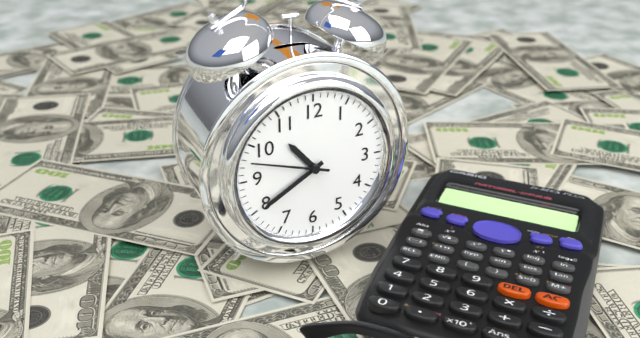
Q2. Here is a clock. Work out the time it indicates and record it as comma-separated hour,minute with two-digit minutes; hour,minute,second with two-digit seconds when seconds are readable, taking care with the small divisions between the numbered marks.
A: 10,40,48
